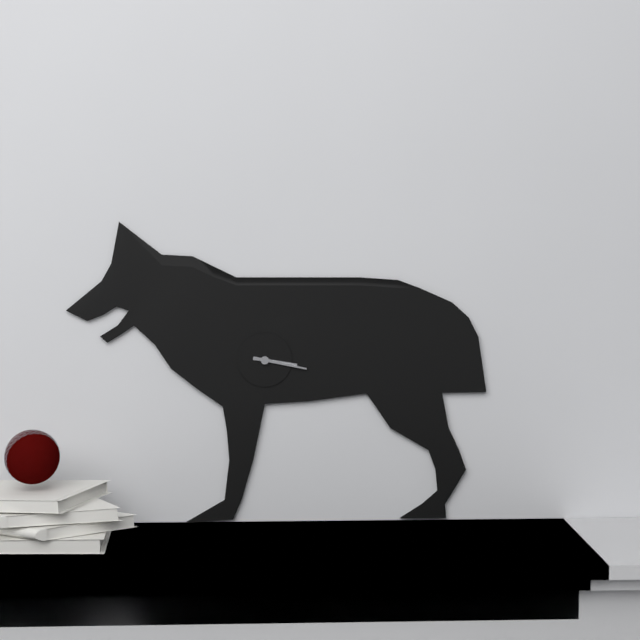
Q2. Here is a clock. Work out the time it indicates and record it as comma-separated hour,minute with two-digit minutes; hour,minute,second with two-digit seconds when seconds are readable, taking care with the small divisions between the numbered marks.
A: 3,17
